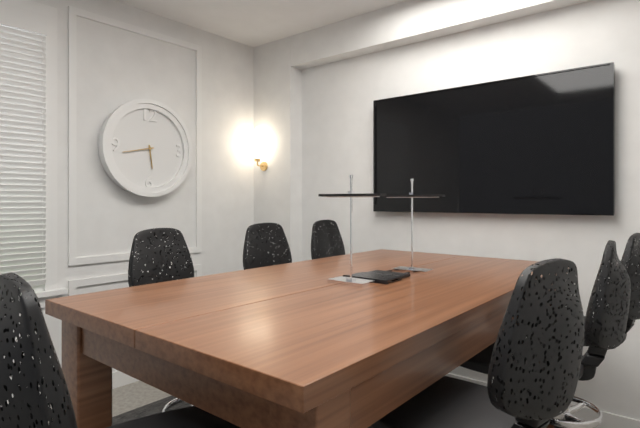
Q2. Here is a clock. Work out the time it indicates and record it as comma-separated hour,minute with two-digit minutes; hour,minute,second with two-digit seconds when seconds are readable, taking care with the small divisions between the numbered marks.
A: 5,43
